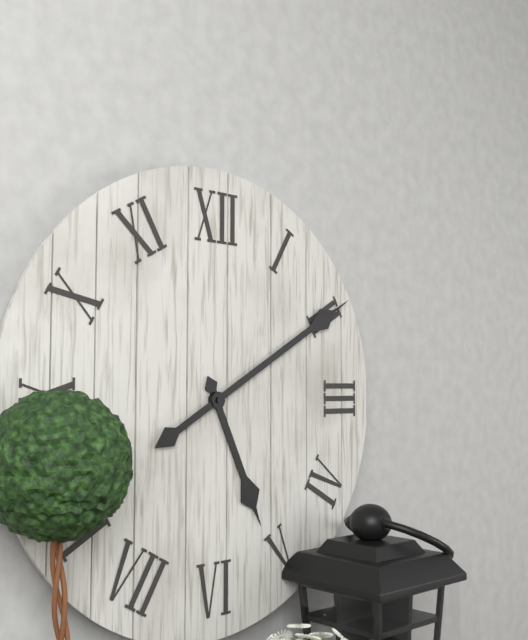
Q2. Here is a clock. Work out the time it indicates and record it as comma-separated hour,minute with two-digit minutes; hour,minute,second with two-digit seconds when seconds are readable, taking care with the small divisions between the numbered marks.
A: 5,10
